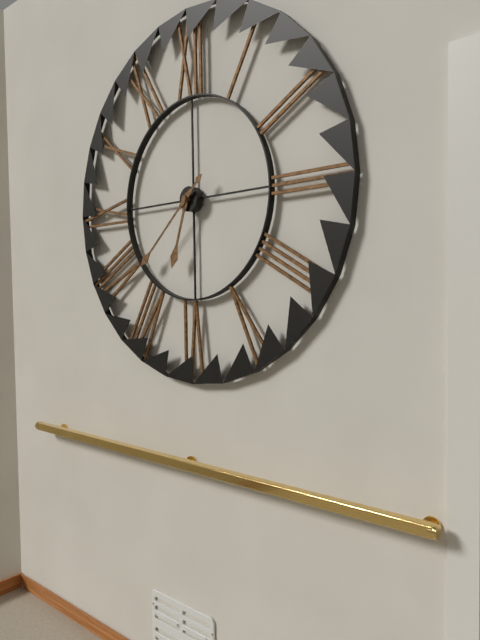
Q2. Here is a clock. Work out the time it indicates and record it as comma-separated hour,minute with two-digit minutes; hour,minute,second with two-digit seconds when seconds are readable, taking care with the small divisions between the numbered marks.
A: 6,38
